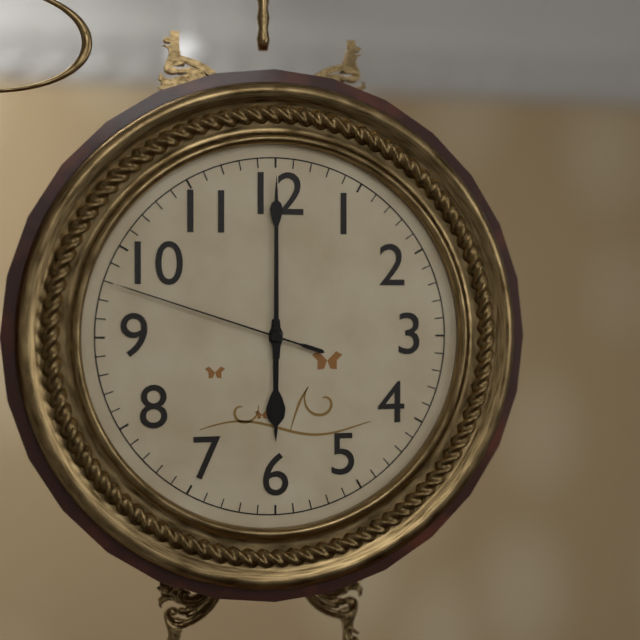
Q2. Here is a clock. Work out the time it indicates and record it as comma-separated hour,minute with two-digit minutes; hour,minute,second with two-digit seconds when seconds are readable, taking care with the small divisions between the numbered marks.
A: 6,00,48
